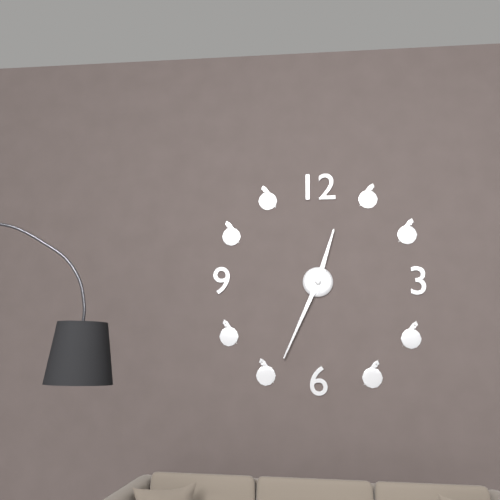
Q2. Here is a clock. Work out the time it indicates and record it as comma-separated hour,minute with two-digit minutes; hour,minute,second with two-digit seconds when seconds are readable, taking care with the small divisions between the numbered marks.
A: 12,34
